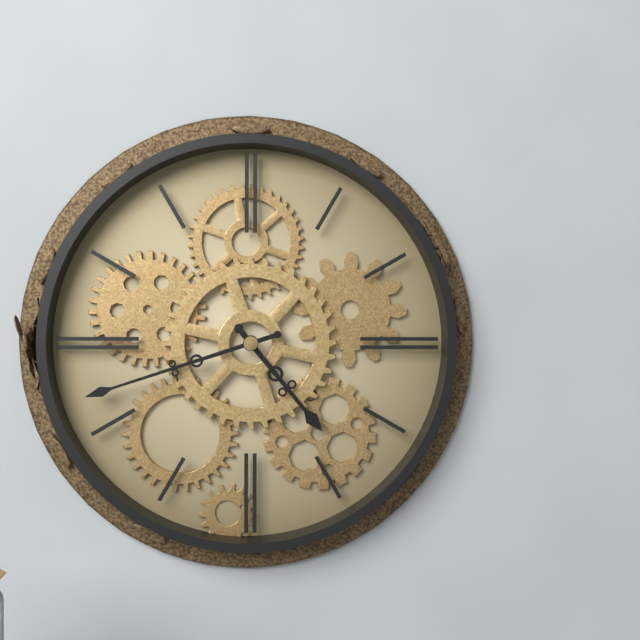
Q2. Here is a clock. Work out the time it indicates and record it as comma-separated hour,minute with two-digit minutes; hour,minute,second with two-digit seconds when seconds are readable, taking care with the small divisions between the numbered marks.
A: 4,42
